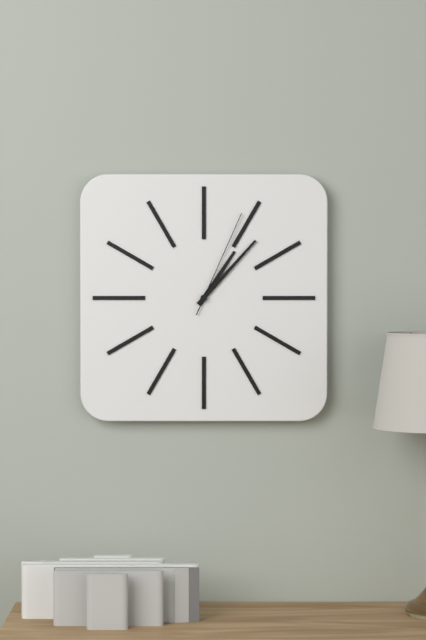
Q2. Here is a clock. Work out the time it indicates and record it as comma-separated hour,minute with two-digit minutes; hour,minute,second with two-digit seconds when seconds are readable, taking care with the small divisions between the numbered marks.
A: 1,07,04
